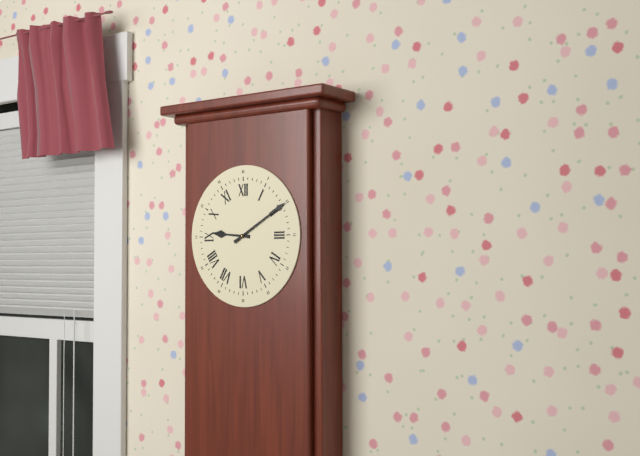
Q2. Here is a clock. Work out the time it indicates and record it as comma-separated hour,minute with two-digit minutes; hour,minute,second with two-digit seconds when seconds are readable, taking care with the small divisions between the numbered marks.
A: 9,10
